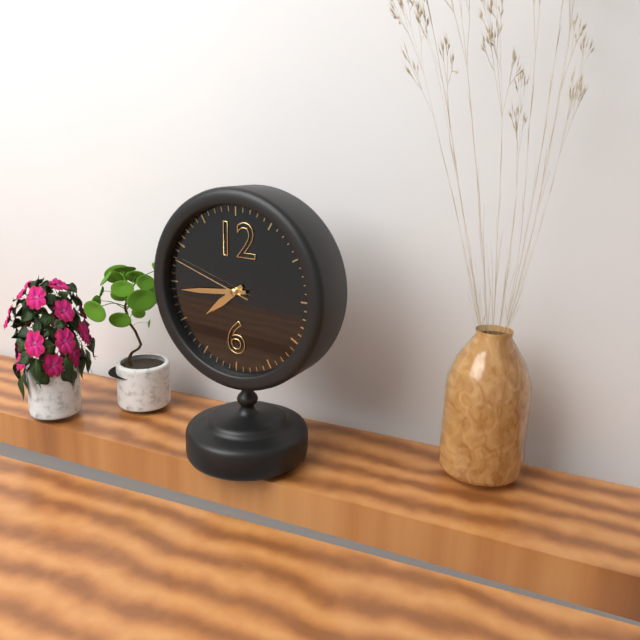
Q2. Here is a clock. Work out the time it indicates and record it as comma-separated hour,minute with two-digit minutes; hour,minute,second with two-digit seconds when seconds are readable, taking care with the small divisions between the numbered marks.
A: 7,44,48
